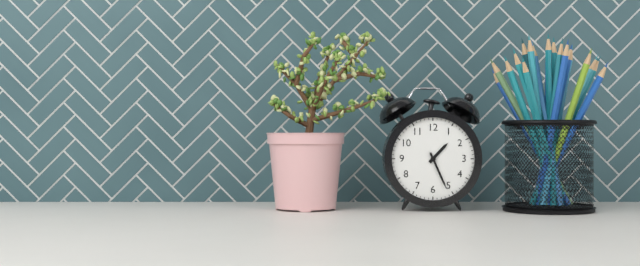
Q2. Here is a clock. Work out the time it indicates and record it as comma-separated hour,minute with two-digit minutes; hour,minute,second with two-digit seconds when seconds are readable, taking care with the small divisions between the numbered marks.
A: 1,26
